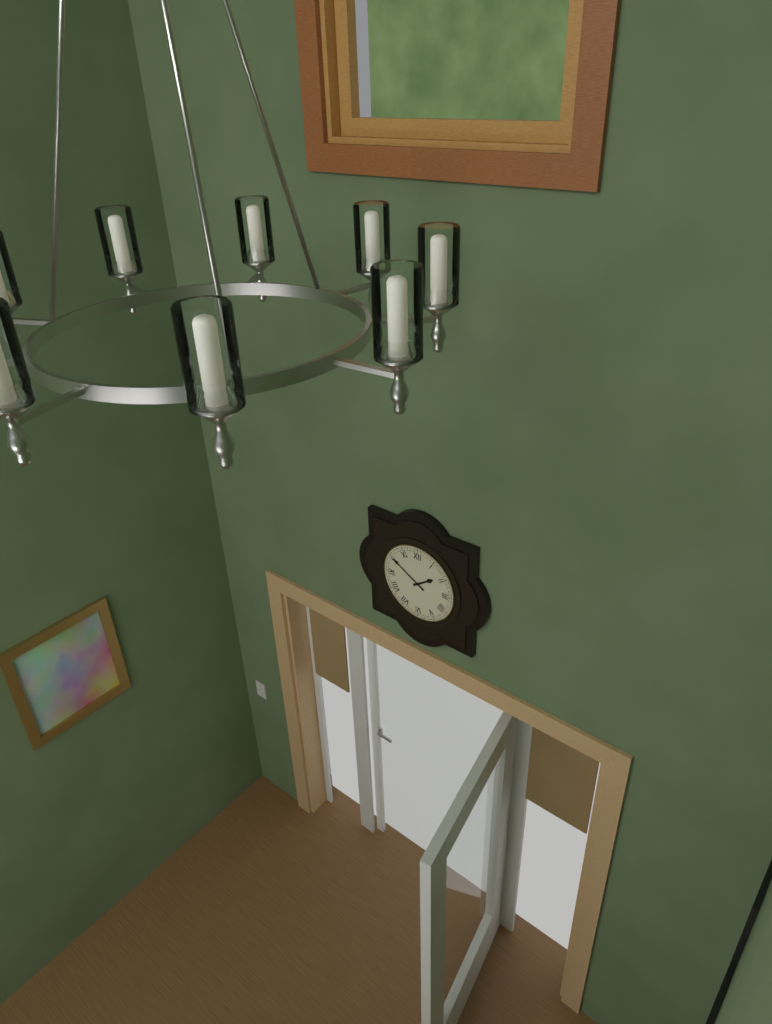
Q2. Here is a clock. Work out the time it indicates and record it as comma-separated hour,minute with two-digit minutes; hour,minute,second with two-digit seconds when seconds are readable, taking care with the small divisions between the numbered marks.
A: 1,50
